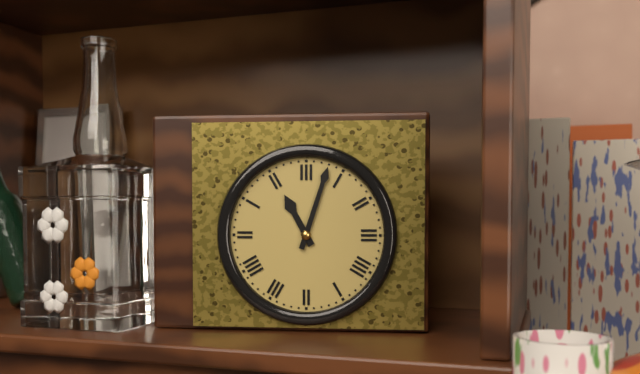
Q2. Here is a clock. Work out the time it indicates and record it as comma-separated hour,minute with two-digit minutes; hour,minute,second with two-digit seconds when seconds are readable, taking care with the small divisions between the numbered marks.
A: 11,03
